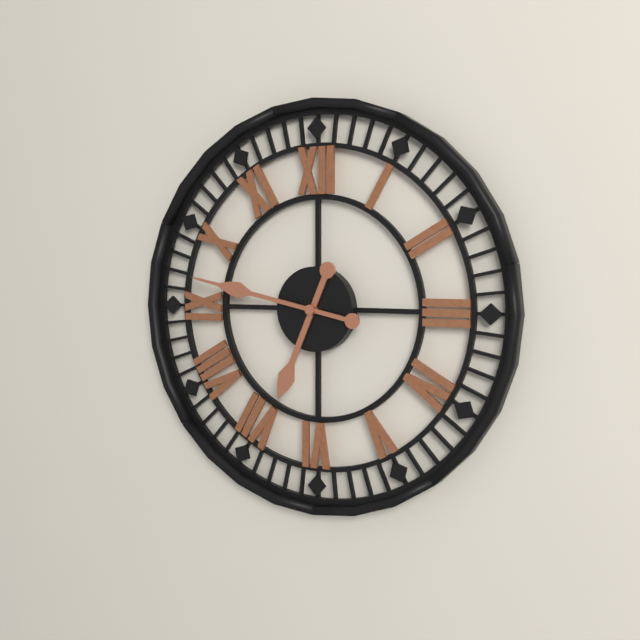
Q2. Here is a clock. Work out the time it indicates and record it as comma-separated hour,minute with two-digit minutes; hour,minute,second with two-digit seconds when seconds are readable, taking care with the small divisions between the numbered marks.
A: 6,47
